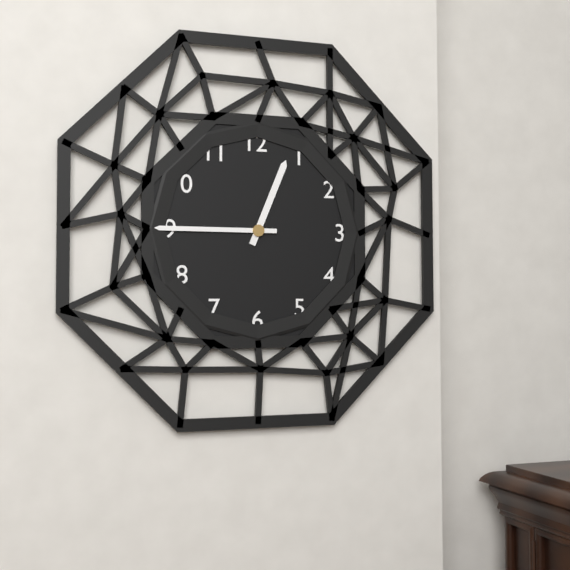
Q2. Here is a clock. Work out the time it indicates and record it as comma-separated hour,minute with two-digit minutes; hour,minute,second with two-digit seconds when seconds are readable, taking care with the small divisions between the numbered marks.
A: 12,45
